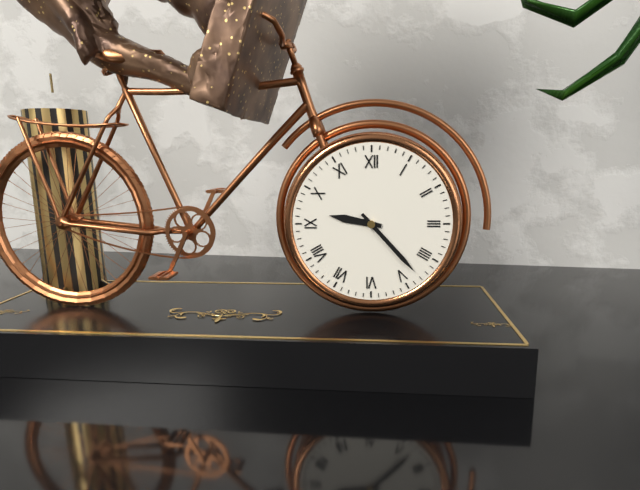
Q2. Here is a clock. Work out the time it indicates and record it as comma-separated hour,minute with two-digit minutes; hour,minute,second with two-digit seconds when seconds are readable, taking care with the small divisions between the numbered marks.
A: 9,23
